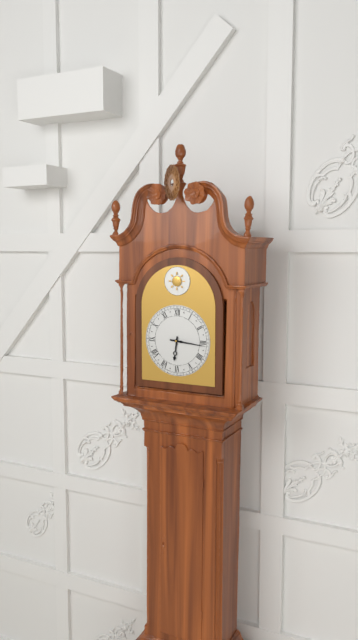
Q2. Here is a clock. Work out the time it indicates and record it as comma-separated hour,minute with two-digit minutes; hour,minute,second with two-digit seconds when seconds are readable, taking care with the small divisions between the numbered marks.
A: 6,16
